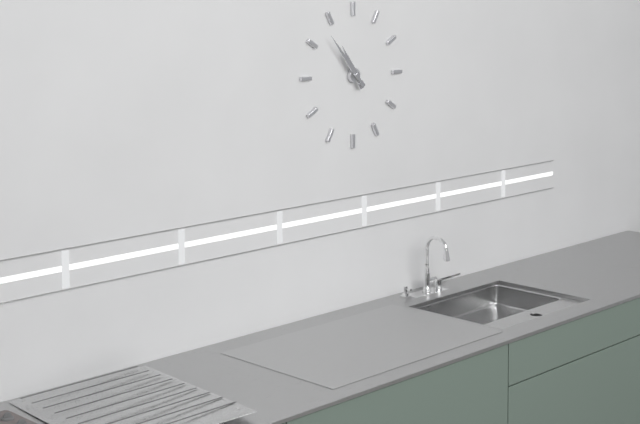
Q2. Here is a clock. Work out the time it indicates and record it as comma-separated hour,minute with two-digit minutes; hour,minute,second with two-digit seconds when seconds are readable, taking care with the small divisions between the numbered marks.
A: 10,53
